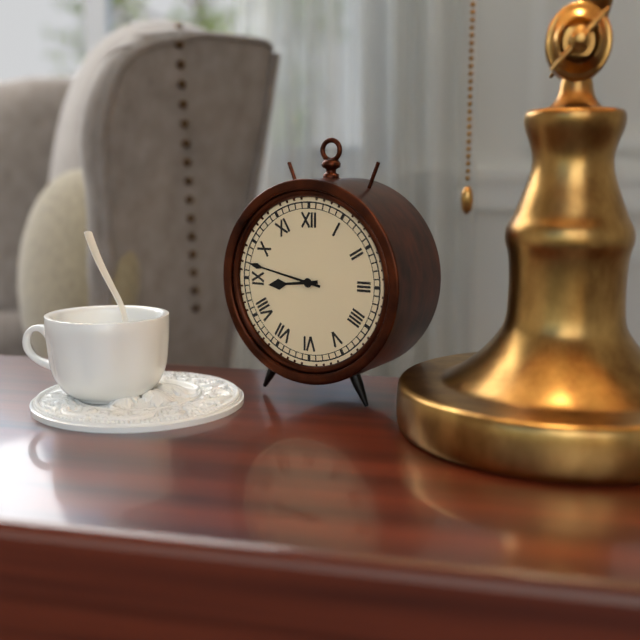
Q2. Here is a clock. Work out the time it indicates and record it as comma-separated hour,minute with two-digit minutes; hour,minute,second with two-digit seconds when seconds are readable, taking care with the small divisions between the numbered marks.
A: 8,47
